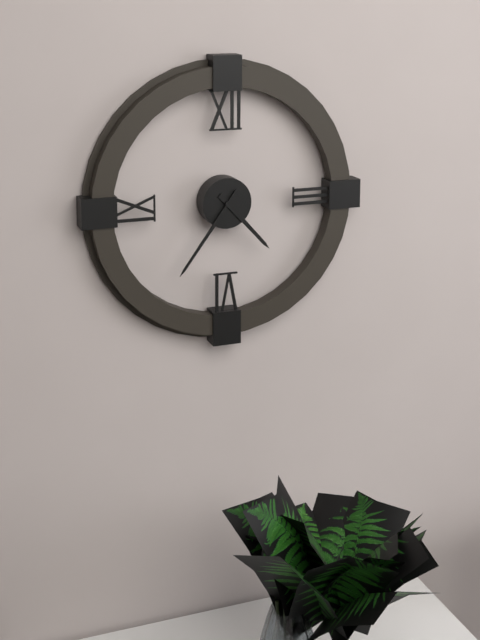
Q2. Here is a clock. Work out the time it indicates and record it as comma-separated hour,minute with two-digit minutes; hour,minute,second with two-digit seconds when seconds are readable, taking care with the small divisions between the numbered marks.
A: 4,36
